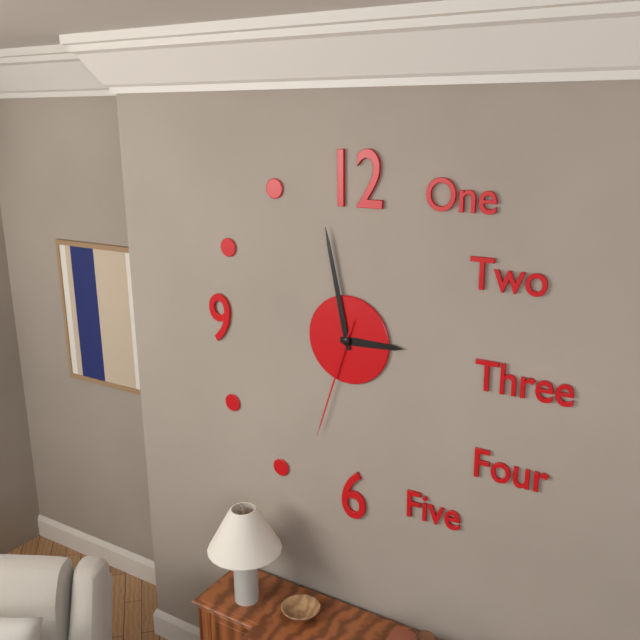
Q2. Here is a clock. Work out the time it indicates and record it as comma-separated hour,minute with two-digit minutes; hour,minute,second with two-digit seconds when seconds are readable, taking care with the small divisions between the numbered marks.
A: 2,58,33
